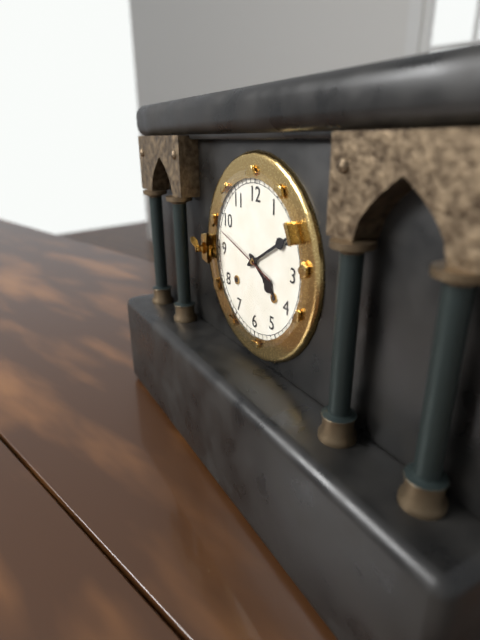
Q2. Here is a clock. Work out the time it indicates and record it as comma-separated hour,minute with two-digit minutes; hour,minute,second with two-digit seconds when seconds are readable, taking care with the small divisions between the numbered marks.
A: 4,10,48
